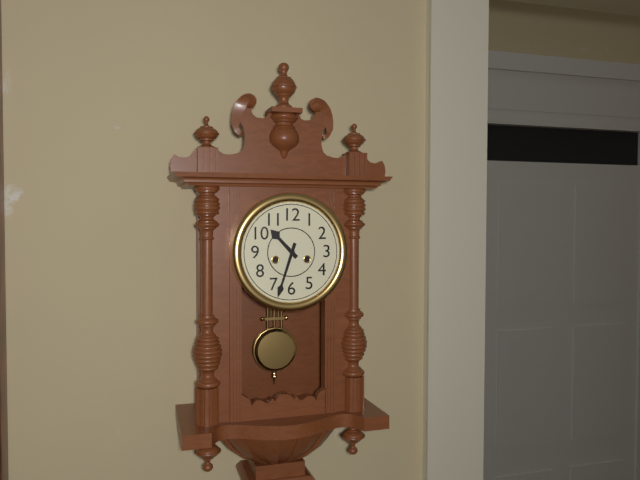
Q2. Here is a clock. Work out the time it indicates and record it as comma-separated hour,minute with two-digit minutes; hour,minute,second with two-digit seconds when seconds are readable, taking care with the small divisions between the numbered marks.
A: 10,33
